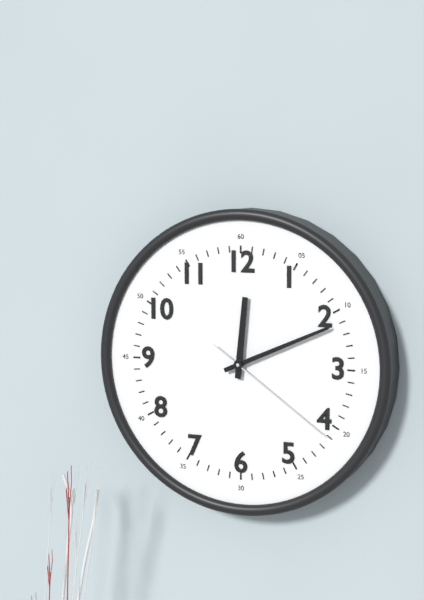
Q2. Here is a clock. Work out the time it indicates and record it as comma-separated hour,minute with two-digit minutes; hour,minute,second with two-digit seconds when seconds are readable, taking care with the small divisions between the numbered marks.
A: 12,11,21
